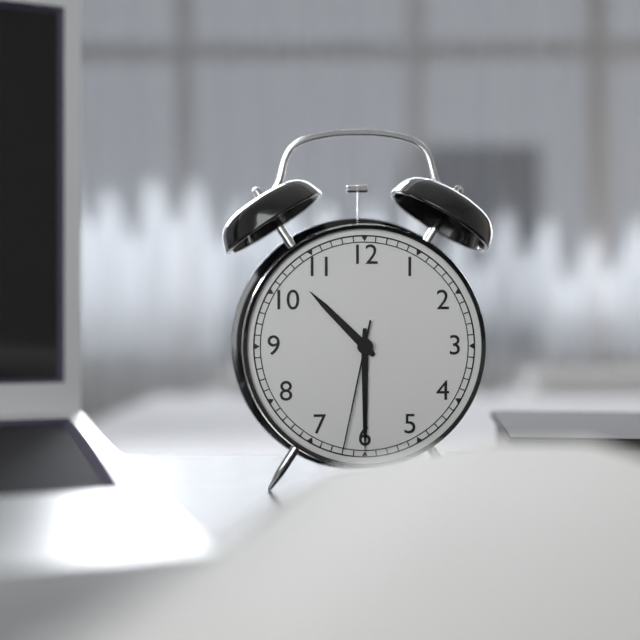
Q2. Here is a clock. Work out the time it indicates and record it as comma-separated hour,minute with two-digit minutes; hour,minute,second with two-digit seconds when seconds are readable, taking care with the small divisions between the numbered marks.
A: 10,30,32
